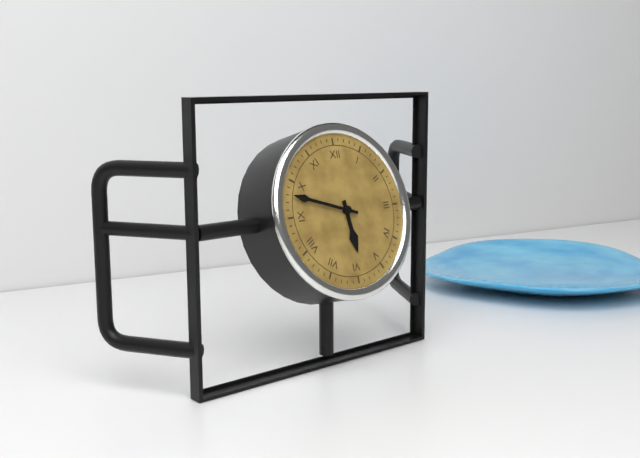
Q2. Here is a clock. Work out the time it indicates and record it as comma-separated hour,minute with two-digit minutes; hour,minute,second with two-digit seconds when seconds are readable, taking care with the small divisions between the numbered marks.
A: 5,48
